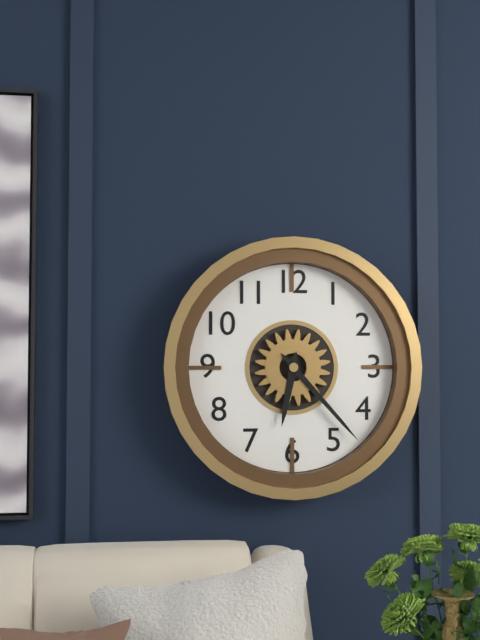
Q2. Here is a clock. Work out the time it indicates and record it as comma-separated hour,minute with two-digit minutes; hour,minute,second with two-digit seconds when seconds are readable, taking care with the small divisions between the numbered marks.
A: 6,23
